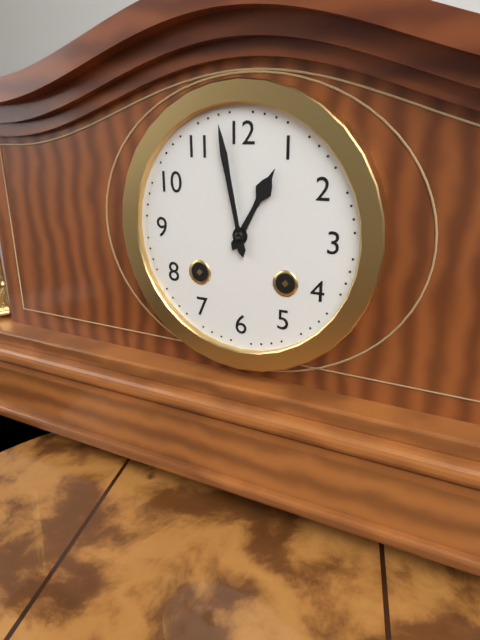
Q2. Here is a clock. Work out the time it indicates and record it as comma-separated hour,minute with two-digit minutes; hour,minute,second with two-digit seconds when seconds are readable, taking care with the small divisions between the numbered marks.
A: 12,58
